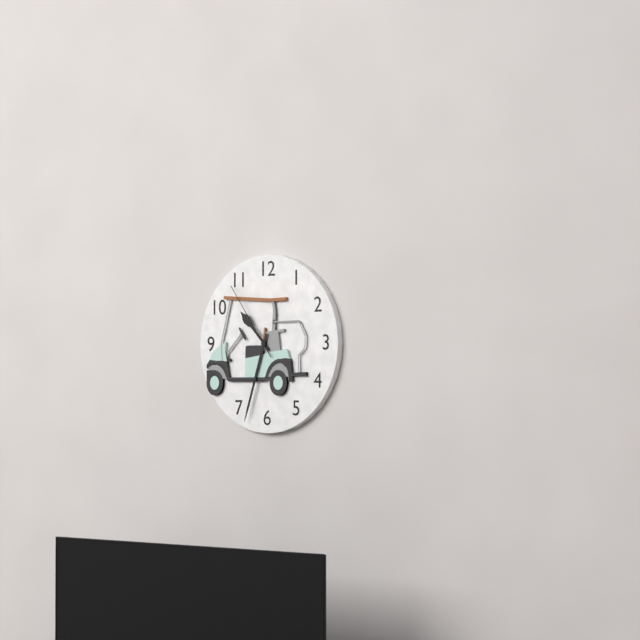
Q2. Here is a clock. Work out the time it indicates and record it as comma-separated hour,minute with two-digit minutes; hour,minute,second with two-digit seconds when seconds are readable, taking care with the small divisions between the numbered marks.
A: 10,33,54
